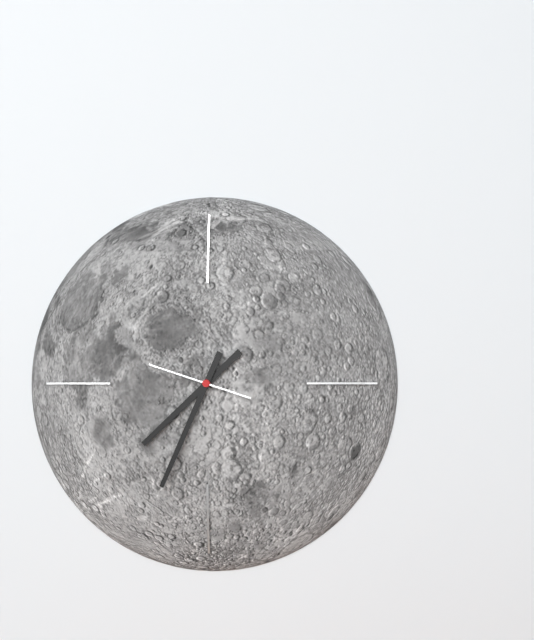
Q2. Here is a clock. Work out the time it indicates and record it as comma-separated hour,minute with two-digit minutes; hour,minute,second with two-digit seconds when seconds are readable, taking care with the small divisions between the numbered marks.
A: 7,34,48
